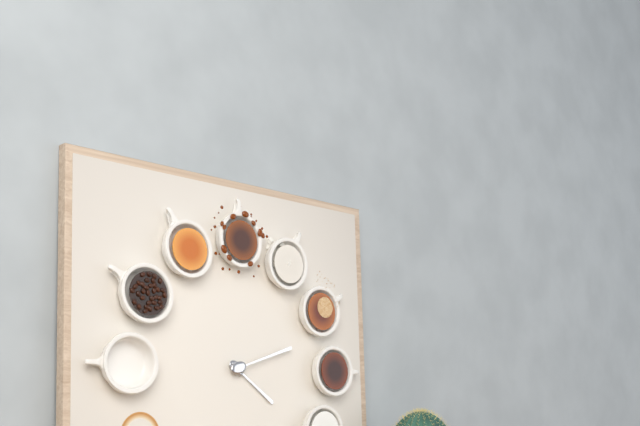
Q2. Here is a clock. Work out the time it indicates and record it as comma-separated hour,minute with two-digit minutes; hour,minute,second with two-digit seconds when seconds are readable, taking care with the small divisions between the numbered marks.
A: 4,12
